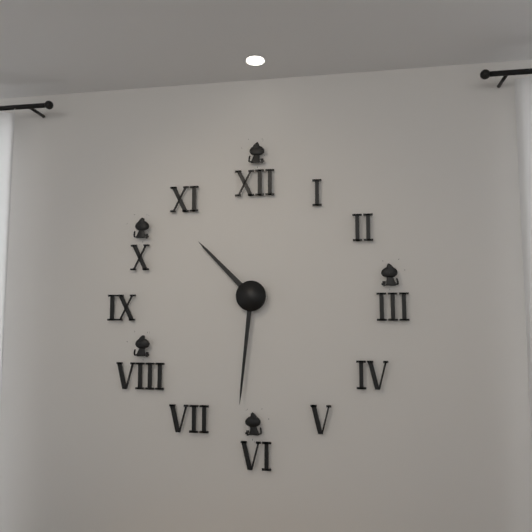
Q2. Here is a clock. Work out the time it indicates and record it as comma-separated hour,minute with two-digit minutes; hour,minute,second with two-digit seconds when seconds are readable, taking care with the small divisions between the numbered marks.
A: 10,31
